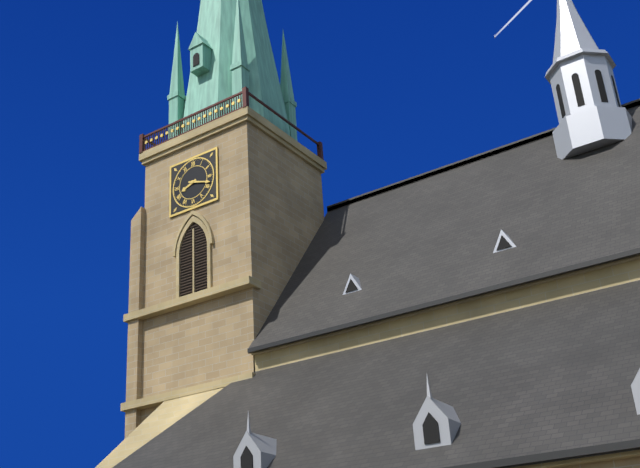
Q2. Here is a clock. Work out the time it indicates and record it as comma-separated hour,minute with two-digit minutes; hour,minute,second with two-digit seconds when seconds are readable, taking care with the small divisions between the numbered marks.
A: 8,18
